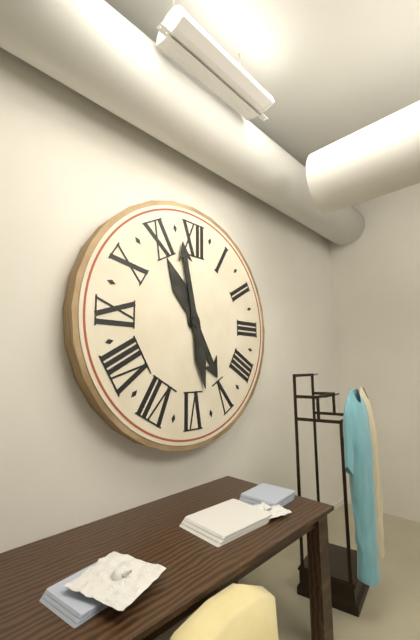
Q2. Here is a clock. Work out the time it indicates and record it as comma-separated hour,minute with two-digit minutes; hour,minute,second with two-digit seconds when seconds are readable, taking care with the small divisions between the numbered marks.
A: 4,58
